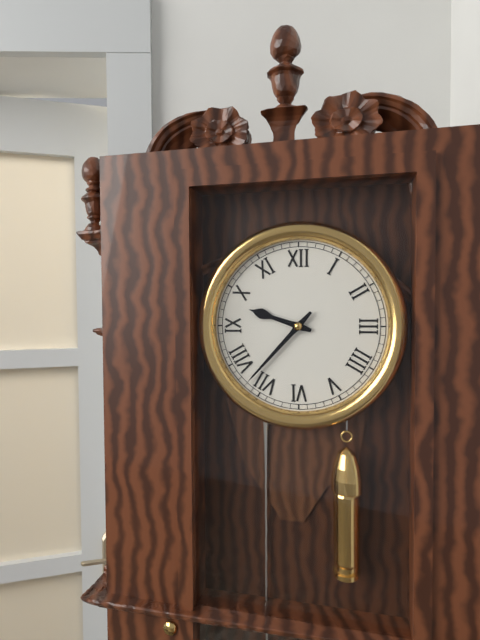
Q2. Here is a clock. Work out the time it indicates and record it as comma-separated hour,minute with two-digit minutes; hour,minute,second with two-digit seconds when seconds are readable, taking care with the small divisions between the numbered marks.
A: 9,37
